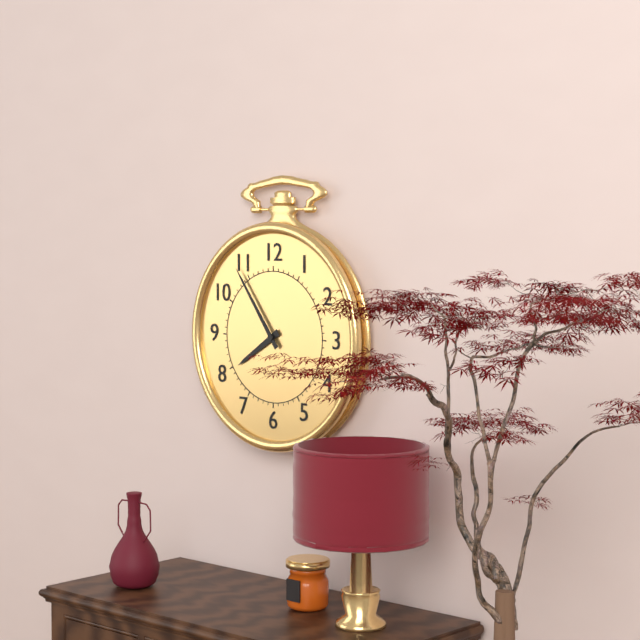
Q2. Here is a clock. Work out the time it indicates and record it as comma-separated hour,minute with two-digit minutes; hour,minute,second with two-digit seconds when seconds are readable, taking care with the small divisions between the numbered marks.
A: 7,54
